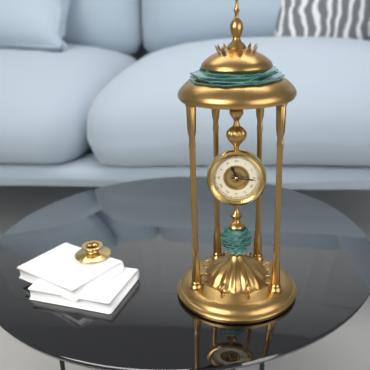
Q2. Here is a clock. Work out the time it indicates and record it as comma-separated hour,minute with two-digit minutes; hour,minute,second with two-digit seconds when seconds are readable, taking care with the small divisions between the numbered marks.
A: 11,16
